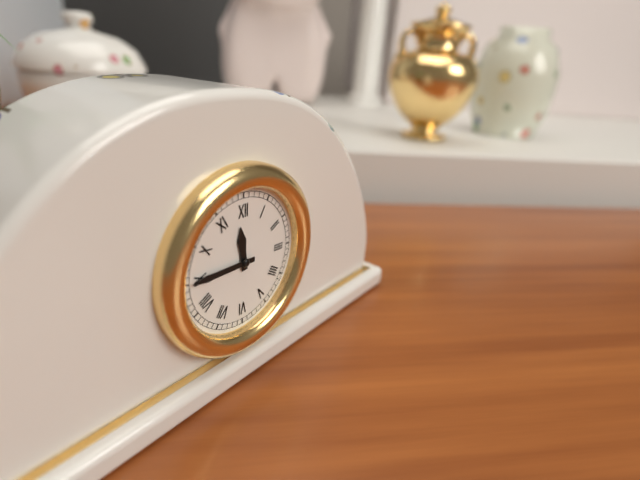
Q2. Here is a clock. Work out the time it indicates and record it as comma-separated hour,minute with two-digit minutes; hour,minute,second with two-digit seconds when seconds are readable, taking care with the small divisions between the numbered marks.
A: 11,45
